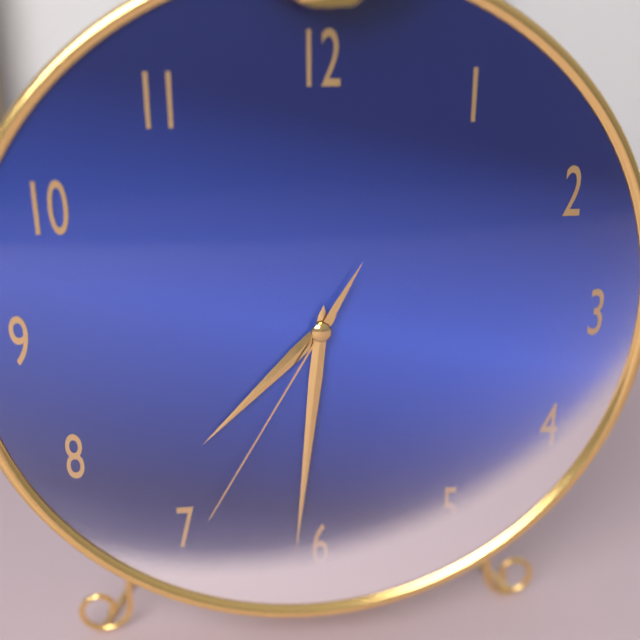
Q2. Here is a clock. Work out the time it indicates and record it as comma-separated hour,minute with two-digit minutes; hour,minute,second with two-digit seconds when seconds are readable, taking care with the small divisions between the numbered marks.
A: 7,31,35
